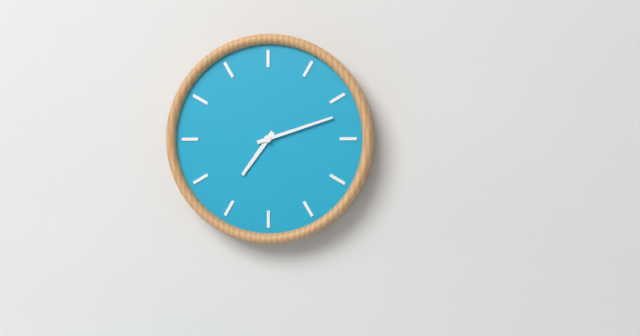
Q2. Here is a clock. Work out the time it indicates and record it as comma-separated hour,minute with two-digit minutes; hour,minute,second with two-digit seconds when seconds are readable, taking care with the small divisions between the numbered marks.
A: 7,12
